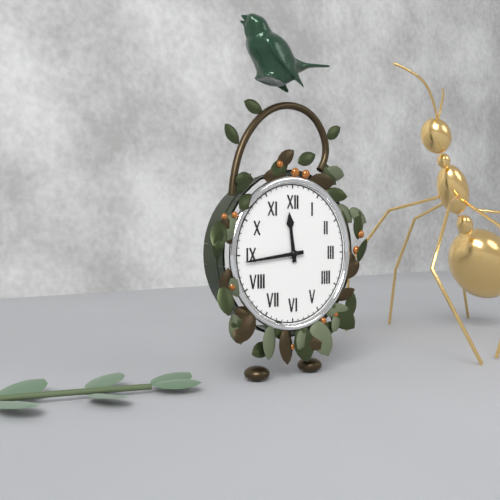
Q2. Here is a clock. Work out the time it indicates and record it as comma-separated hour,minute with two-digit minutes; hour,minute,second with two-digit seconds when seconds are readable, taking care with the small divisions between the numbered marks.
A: 11,44
